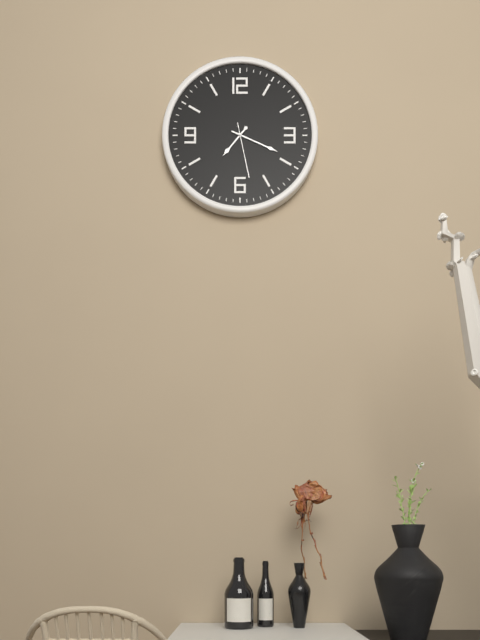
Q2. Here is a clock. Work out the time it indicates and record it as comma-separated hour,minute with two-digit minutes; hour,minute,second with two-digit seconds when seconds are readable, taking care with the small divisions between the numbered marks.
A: 7,19,28
